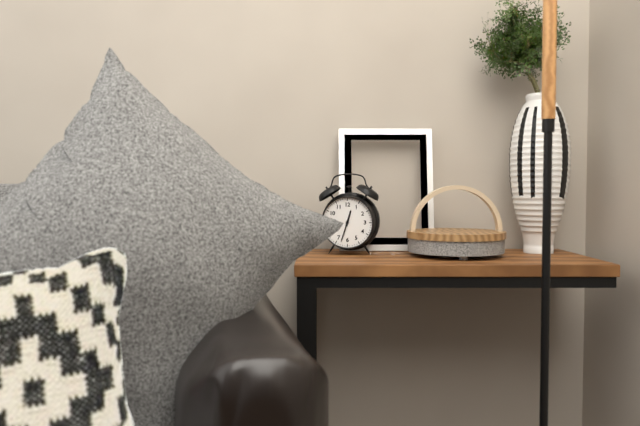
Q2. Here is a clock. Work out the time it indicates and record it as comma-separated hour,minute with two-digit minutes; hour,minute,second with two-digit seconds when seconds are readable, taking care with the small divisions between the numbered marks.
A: 12,33
